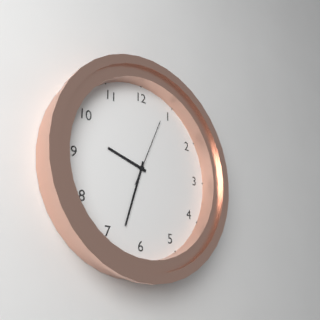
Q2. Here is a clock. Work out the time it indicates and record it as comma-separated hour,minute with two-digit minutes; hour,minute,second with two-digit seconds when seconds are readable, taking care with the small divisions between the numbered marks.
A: 9,33,04
